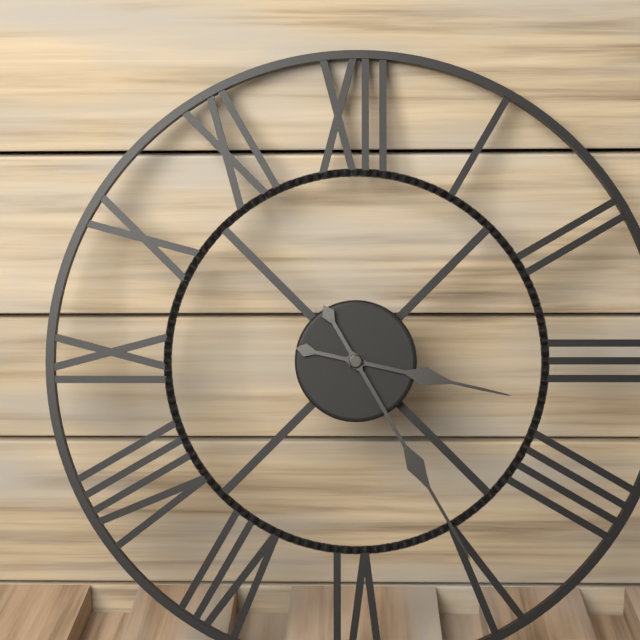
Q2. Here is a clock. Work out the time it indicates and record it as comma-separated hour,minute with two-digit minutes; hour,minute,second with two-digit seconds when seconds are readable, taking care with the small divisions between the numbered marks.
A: 3,25
